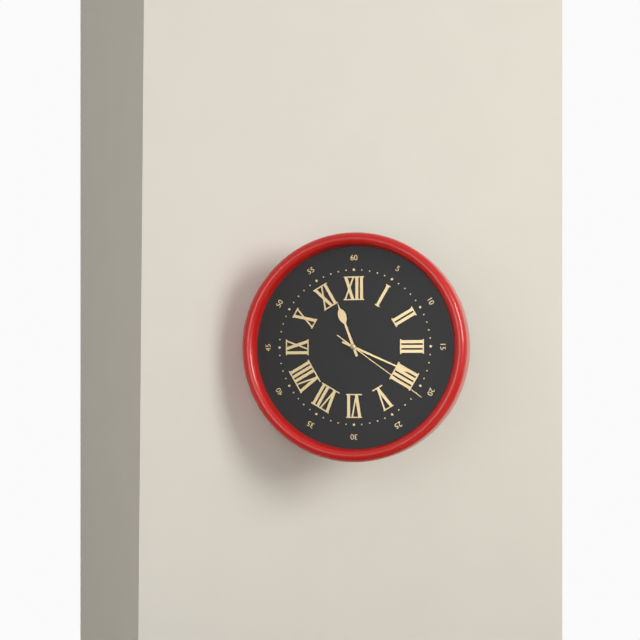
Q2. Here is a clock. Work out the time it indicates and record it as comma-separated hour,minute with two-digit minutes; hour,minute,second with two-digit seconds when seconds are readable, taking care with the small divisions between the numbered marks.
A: 11,19,21
